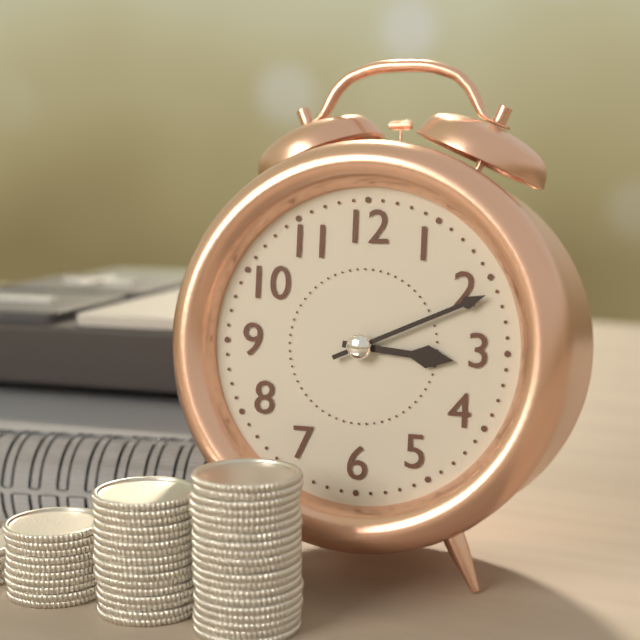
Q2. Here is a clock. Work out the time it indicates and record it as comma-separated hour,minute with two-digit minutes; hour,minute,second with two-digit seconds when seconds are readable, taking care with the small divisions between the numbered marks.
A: 3,11
